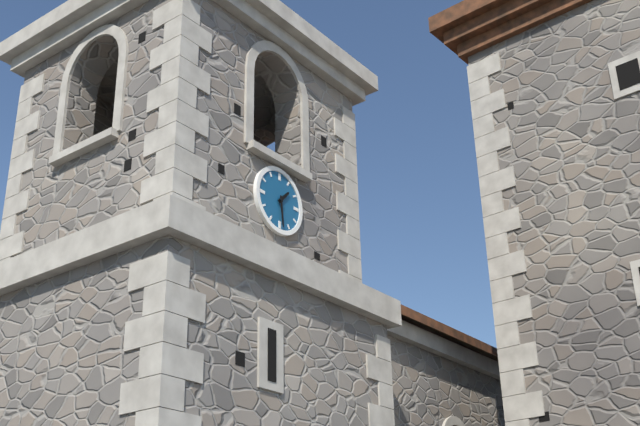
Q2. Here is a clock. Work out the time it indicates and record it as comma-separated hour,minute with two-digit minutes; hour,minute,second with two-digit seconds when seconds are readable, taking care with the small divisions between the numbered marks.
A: 1,29
